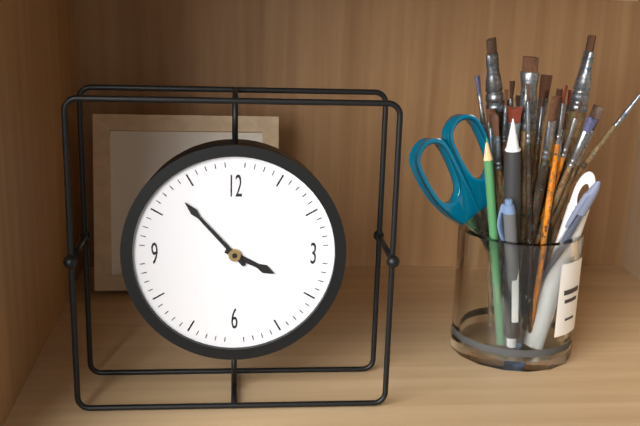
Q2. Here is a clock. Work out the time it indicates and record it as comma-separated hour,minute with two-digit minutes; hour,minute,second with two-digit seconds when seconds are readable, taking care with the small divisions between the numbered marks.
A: 3,53
